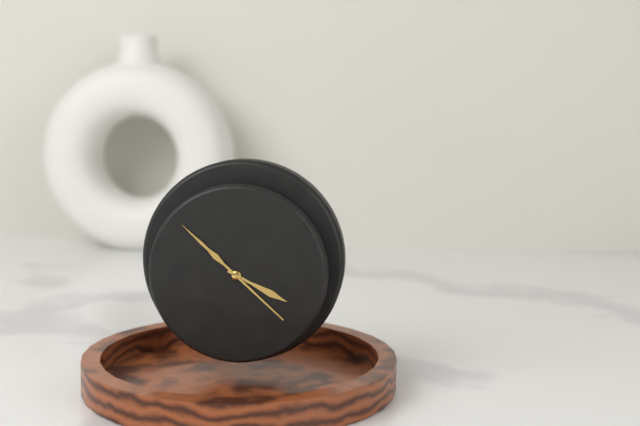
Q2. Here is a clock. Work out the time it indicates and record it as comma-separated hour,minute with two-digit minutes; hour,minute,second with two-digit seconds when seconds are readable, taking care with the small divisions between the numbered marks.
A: 3,52
